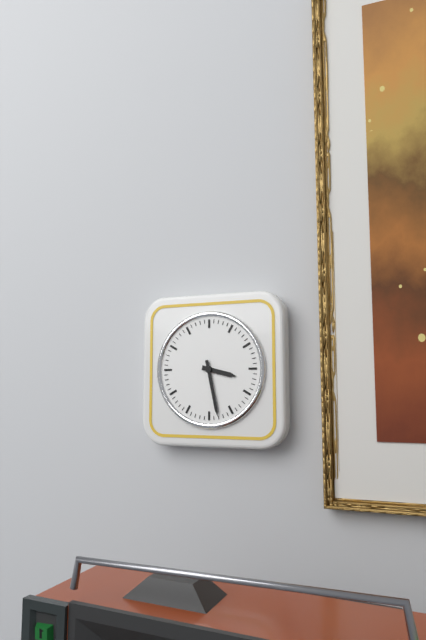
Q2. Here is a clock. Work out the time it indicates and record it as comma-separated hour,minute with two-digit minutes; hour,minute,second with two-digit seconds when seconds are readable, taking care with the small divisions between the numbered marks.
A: 3,28
